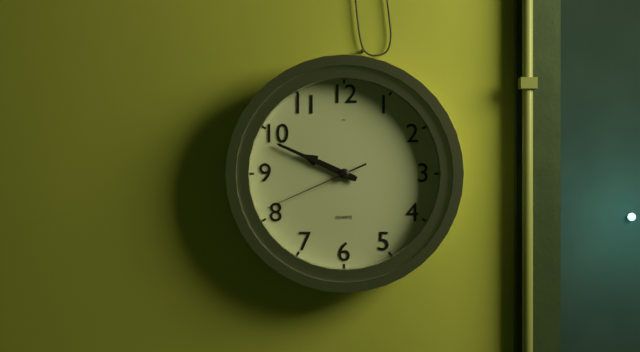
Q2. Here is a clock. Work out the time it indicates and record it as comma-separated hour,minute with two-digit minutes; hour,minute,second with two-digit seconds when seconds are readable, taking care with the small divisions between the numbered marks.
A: 9,49,41
